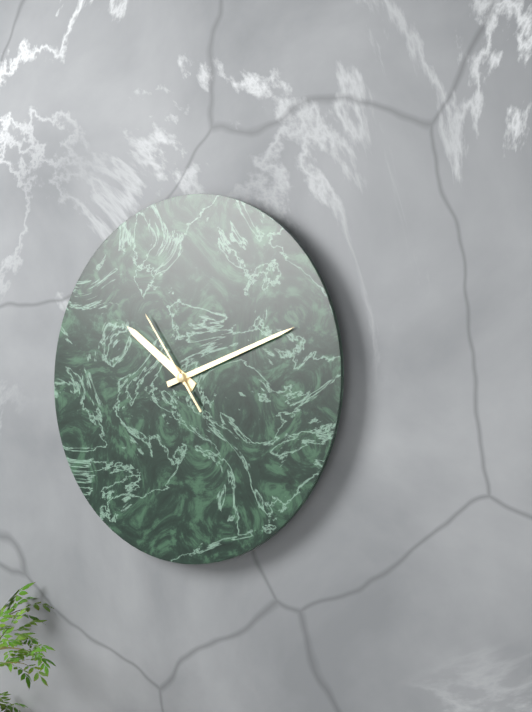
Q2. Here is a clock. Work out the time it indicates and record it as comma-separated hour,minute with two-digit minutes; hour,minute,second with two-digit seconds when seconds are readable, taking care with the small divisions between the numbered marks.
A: 10,12,54
